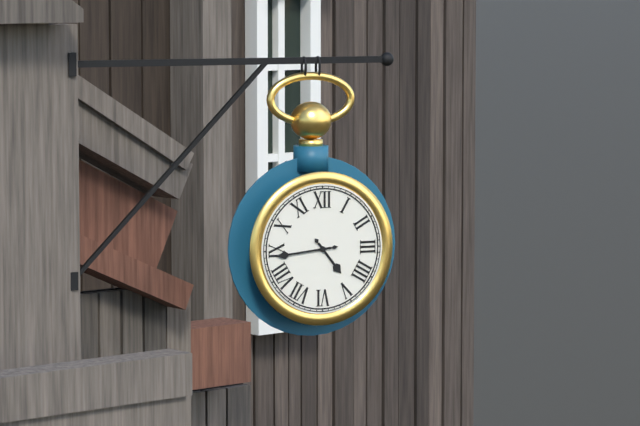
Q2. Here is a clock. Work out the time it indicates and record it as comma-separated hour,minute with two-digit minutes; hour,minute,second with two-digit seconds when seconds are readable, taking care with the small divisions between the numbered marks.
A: 4,44
